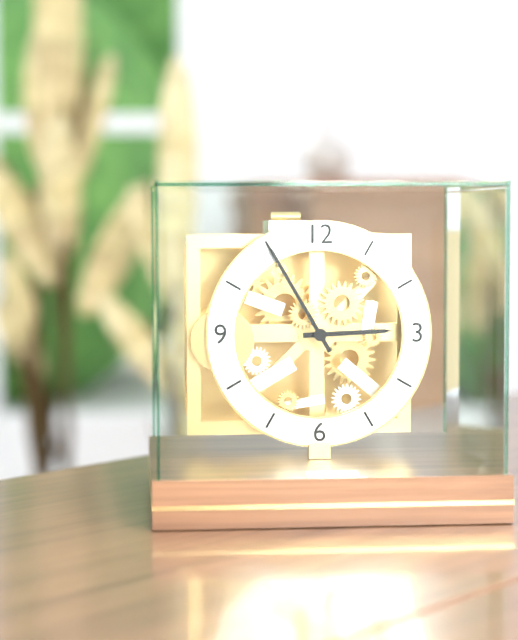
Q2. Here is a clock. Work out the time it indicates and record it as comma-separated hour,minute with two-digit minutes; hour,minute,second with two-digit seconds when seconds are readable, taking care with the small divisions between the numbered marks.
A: 2,55
